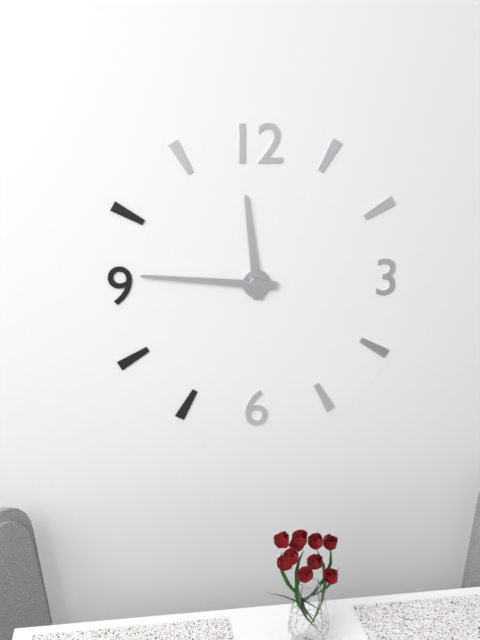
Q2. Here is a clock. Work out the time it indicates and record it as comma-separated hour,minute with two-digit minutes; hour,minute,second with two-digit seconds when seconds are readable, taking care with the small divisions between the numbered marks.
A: 11,46
